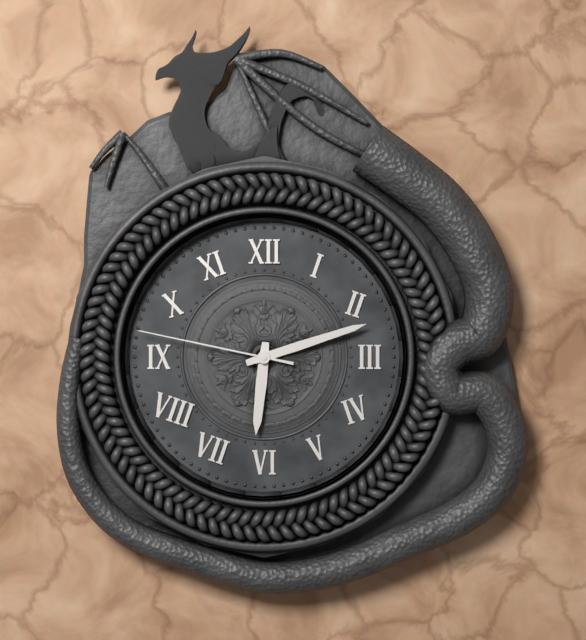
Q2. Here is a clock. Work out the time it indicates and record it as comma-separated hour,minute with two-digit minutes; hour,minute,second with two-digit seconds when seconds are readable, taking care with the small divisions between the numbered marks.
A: 6,12,47
